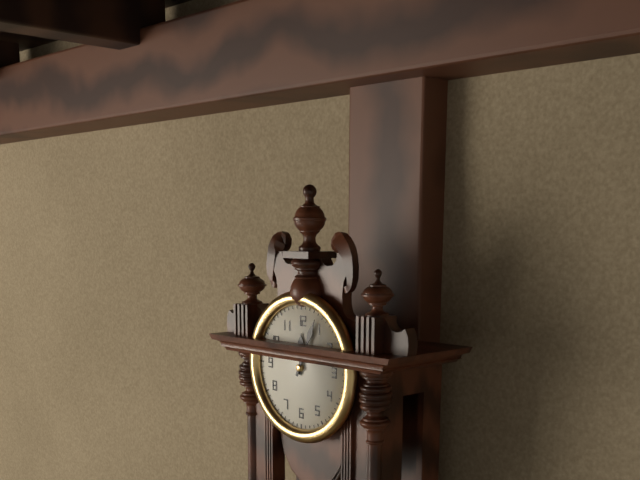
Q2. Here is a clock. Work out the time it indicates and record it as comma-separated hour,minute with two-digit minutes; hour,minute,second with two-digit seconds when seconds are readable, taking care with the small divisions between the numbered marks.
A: 12,04
